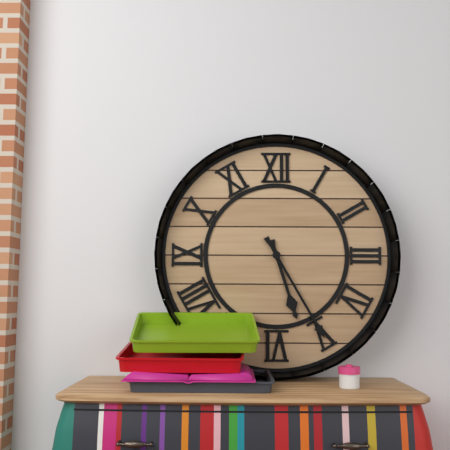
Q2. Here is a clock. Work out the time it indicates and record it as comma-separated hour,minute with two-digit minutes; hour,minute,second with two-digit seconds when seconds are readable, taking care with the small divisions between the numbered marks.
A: 5,25
